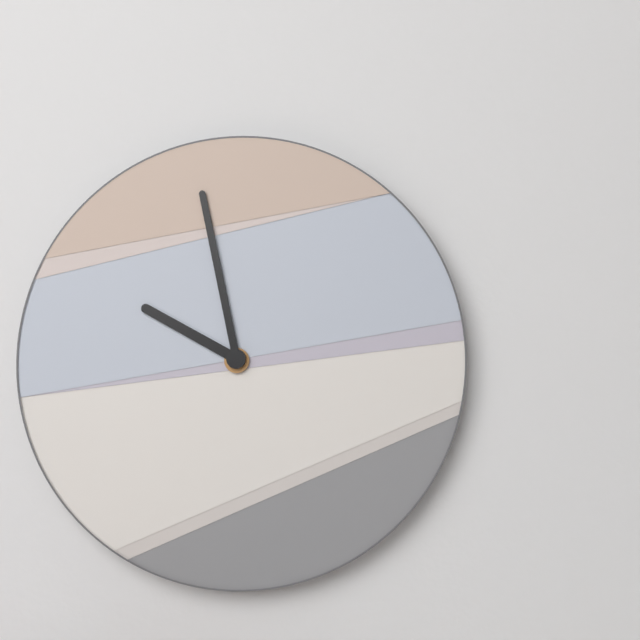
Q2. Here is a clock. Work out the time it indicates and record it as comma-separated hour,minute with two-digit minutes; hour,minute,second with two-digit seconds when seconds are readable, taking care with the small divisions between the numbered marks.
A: 9,58
